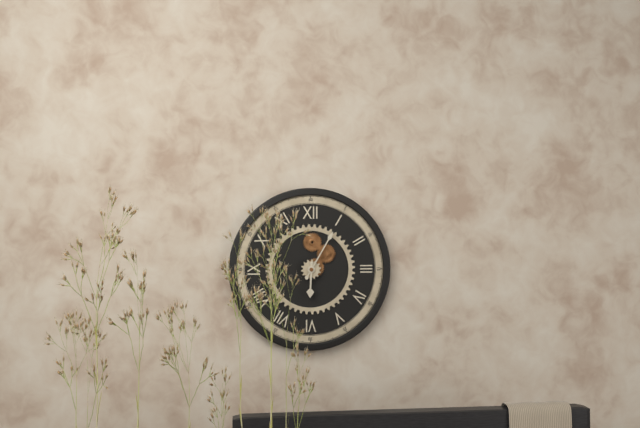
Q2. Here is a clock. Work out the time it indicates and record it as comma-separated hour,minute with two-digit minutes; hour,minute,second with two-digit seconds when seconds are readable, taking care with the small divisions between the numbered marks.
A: 6,05
